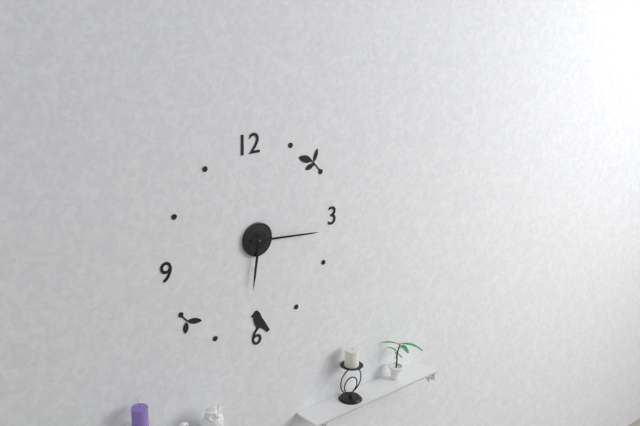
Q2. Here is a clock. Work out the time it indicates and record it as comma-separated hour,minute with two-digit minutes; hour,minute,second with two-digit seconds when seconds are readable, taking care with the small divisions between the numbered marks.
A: 6,16
